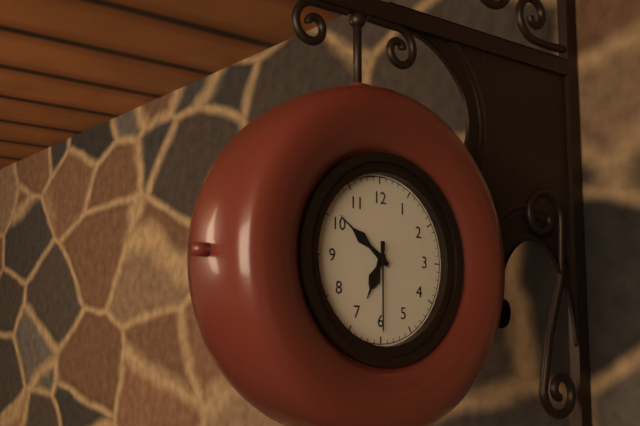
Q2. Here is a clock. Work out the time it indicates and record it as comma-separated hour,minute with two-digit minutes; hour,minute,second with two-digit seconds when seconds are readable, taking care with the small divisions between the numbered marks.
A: 6,51,30
